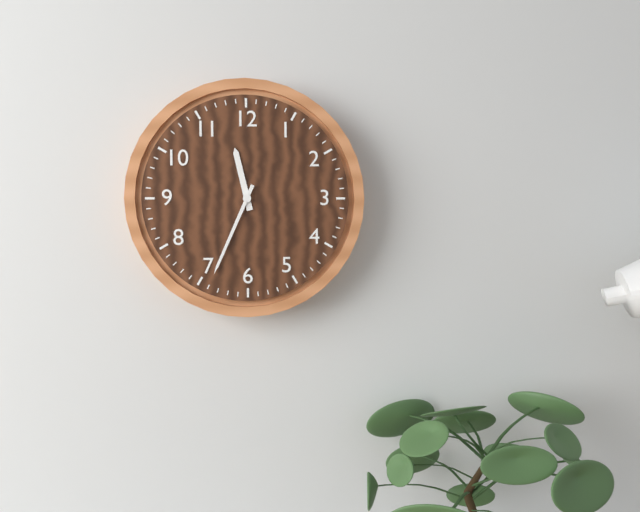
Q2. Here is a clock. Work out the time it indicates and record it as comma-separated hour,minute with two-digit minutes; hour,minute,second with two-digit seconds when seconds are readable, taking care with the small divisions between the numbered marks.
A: 11,34
